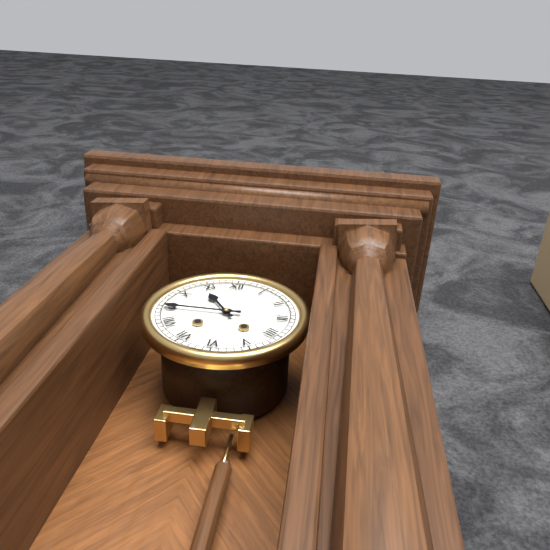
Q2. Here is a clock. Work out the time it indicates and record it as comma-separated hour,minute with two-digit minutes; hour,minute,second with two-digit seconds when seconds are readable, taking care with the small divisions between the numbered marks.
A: 10,45
